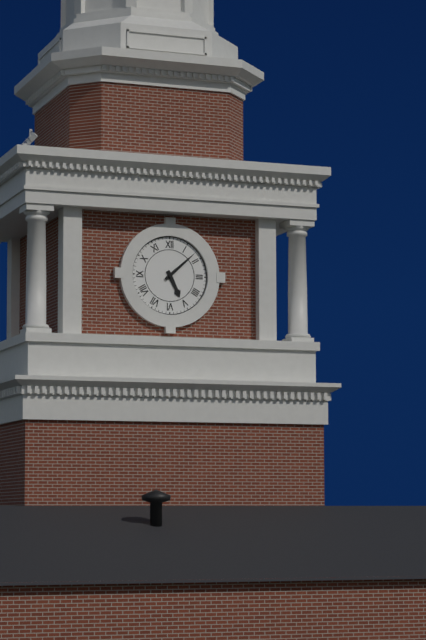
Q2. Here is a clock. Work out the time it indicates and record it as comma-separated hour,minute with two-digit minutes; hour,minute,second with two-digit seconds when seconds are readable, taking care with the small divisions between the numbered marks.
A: 5,08
